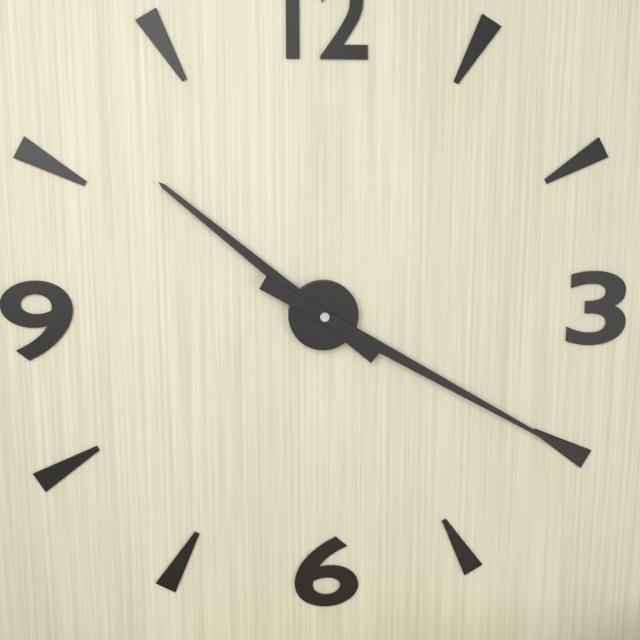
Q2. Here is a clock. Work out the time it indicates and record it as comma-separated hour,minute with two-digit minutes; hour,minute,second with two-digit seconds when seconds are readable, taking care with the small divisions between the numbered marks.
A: 10,20
